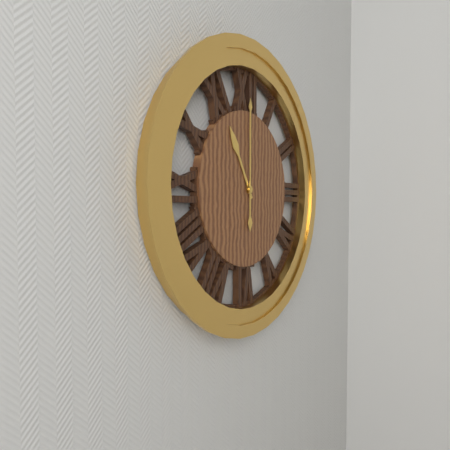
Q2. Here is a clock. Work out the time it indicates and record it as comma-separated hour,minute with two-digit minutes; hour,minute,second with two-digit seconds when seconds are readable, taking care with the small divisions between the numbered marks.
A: 11,00
